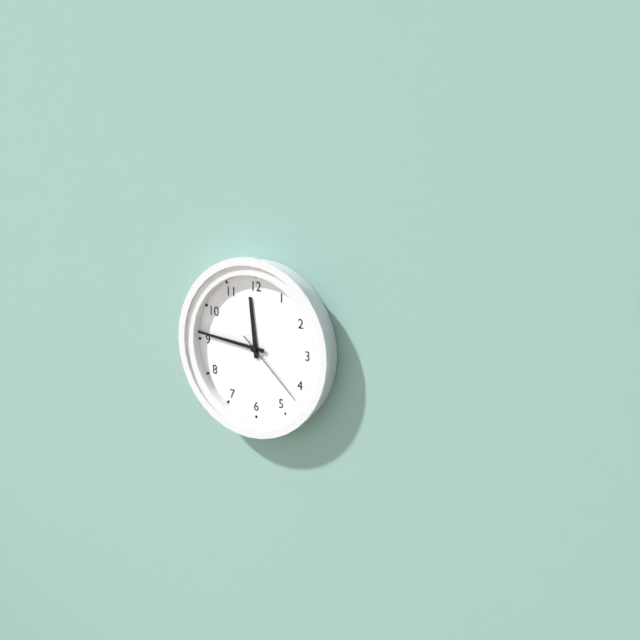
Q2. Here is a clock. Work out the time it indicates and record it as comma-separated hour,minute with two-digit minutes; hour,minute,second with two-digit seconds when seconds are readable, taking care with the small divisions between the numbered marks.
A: 11,46,22
